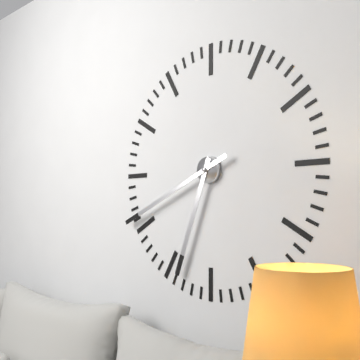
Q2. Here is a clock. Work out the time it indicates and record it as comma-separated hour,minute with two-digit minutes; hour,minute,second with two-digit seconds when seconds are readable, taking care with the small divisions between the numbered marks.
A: 6,41
